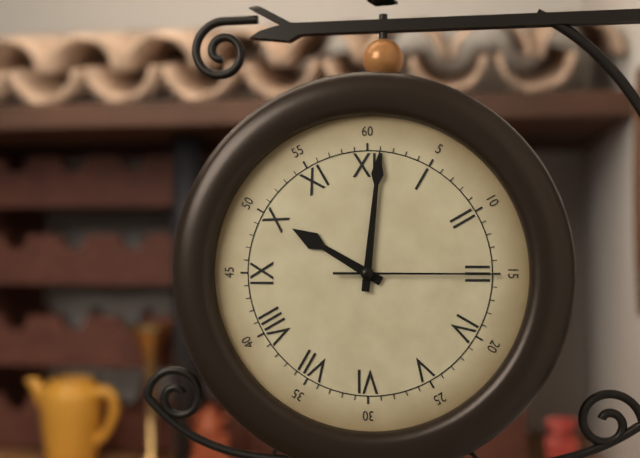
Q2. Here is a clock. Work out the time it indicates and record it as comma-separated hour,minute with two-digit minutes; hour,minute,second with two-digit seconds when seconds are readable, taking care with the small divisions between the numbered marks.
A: 10,01,15
